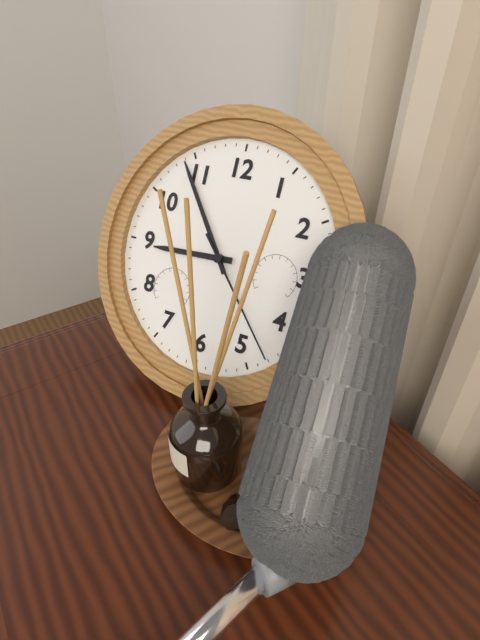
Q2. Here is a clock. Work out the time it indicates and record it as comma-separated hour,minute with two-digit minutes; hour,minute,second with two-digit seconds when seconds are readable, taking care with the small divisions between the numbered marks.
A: 8,54,23
